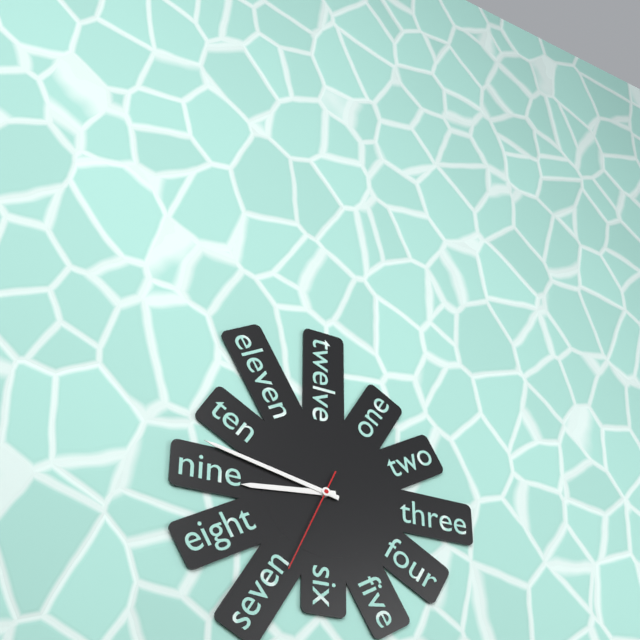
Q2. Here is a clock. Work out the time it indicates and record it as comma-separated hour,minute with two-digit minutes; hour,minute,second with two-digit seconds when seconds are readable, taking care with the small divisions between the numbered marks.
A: 8,47,34
